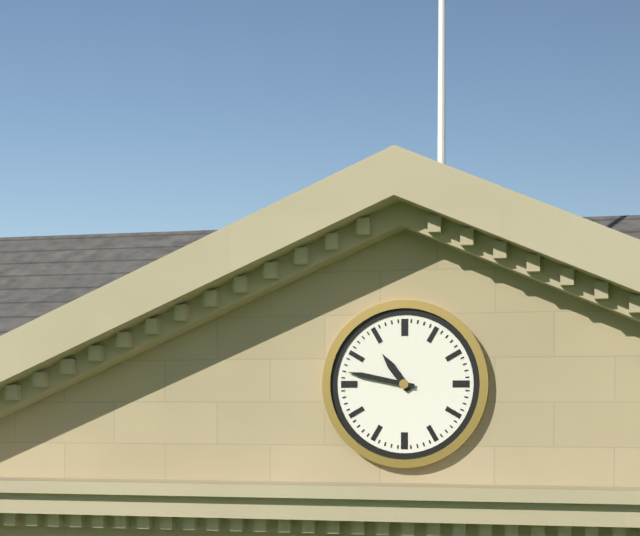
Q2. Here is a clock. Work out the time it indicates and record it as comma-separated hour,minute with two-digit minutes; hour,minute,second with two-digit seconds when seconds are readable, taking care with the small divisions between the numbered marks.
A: 10,47
